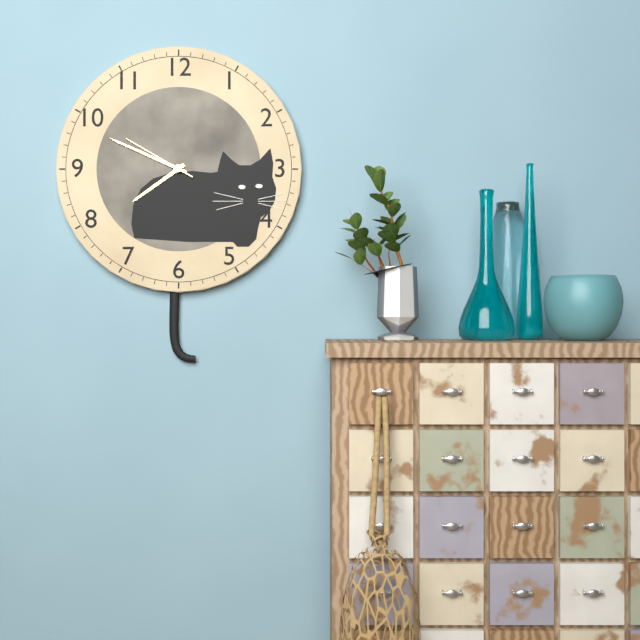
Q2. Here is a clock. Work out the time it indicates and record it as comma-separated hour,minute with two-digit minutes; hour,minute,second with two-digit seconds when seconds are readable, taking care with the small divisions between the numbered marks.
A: 7,49,50
